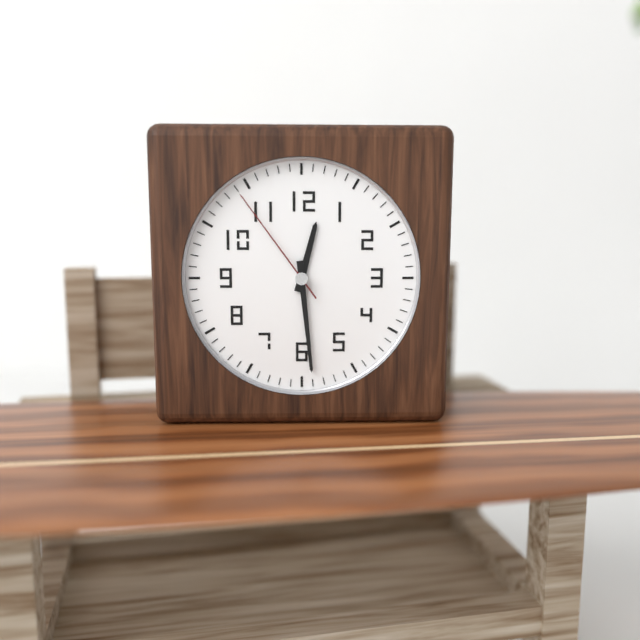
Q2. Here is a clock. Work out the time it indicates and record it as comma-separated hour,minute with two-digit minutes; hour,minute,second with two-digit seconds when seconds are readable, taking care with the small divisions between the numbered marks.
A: 12,29,54
